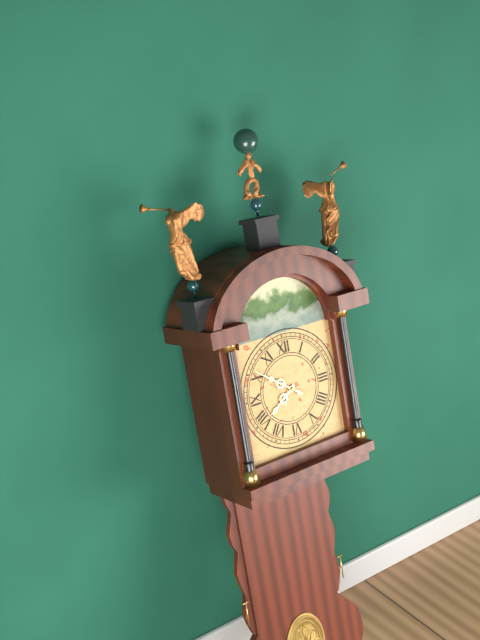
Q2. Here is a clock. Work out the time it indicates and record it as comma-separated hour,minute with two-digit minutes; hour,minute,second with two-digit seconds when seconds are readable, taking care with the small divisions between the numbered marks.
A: 7,51
